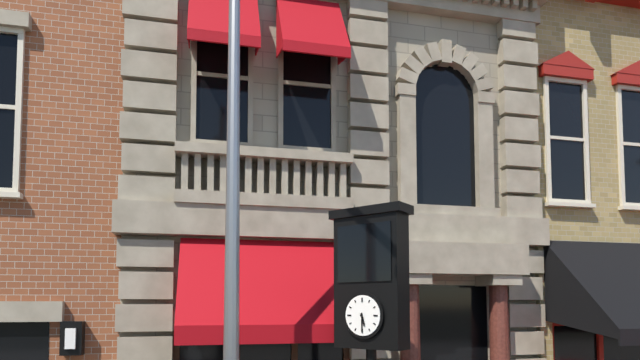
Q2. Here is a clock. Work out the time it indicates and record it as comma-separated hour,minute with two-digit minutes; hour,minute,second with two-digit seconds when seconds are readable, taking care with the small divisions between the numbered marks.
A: 5,30
